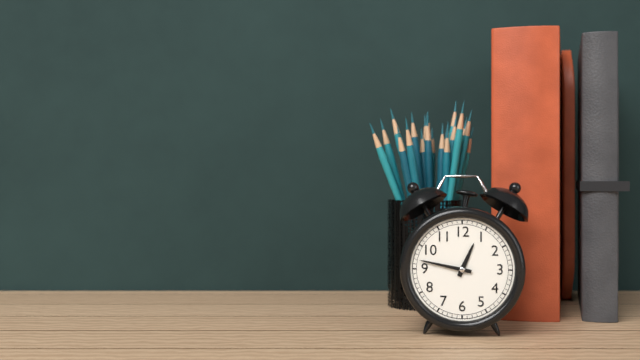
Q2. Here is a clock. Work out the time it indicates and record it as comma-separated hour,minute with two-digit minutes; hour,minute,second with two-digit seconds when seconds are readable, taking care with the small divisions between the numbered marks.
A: 12,47
